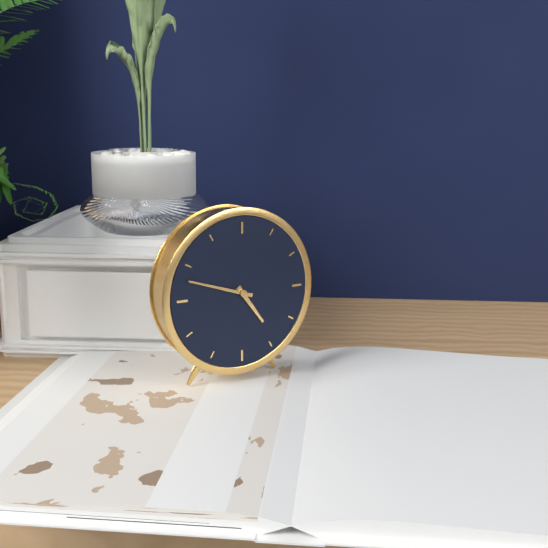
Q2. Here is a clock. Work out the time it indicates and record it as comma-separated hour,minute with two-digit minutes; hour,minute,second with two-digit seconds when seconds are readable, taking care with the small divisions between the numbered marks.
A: 4,48
